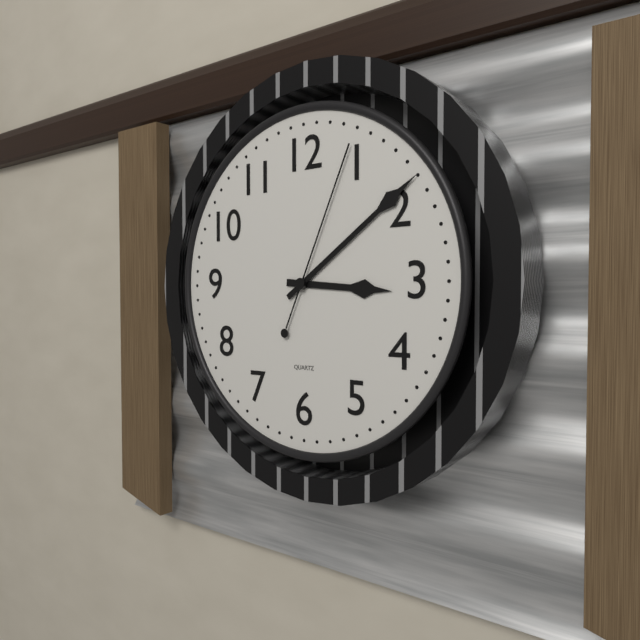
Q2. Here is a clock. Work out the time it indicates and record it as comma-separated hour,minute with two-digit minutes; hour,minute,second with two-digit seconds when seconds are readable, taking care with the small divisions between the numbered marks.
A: 3,09,04
